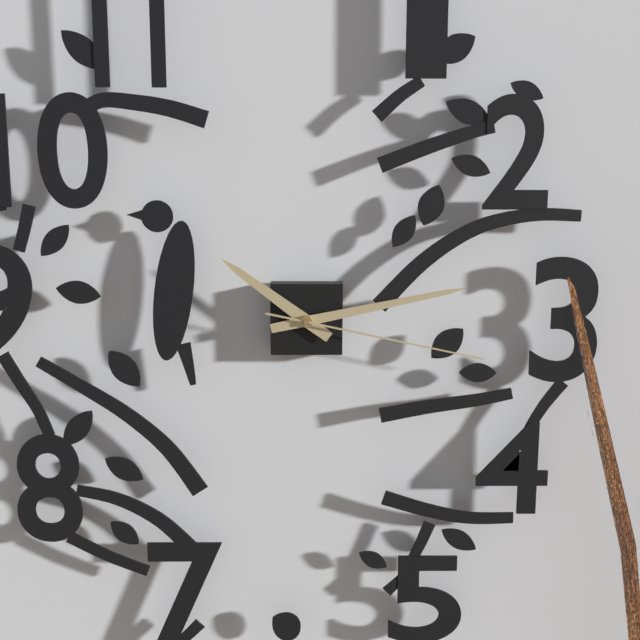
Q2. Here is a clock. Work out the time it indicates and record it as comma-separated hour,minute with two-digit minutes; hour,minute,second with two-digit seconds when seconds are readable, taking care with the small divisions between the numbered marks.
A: 10,13,17
